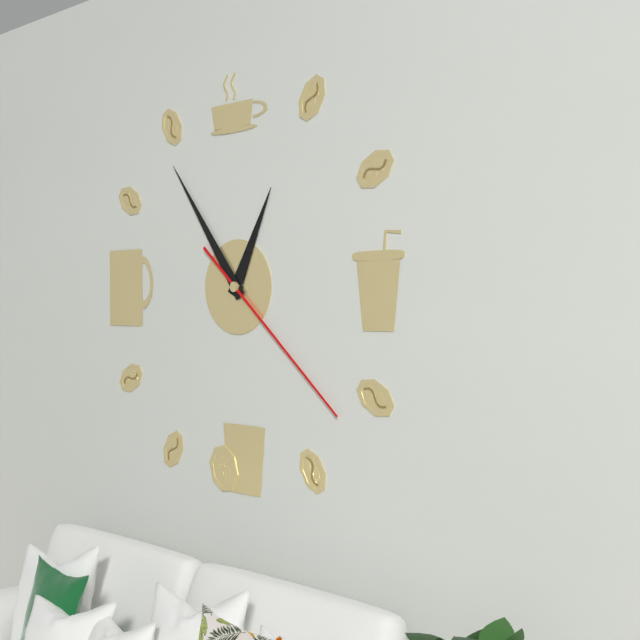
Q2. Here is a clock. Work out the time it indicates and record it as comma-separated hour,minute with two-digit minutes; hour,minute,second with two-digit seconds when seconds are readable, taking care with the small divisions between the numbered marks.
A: 12,54,22
